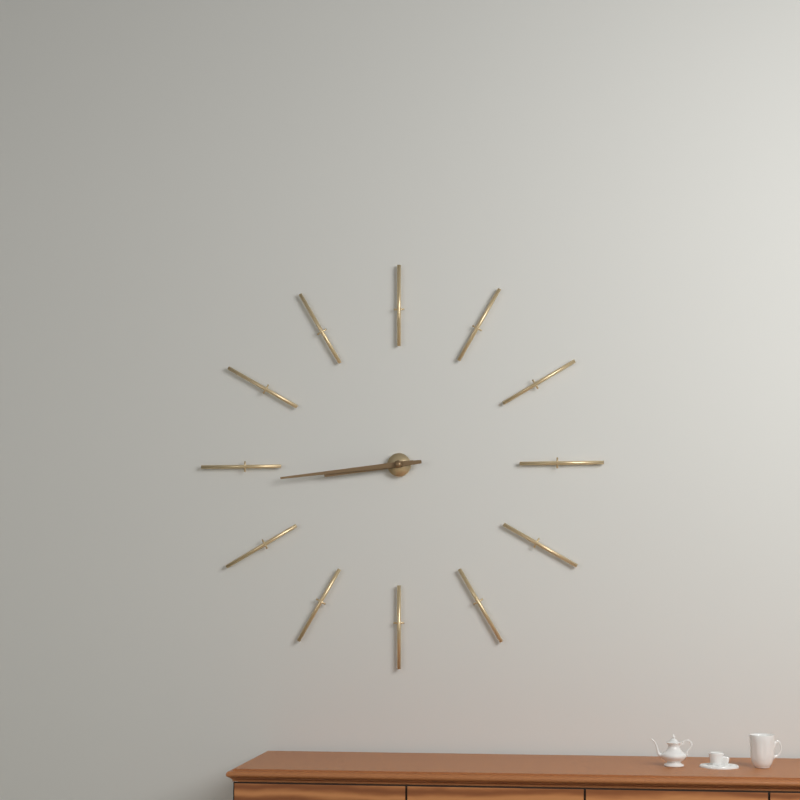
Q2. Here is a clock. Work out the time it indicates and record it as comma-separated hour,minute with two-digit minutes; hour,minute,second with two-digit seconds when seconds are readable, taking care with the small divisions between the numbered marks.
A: 8,44
